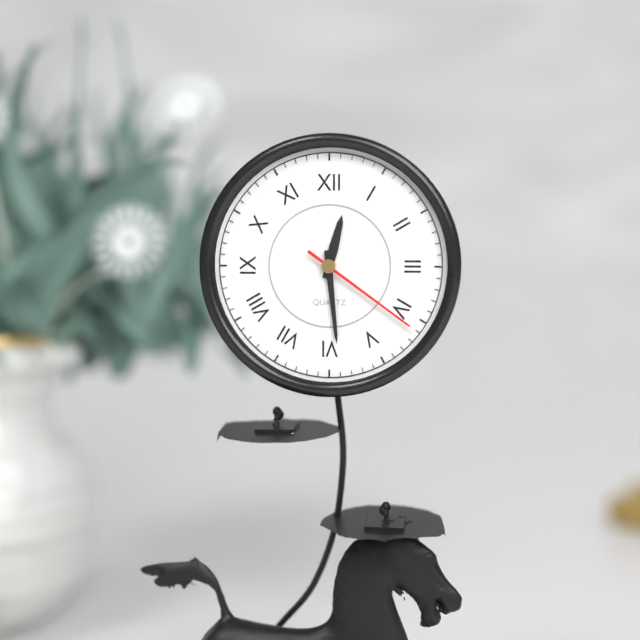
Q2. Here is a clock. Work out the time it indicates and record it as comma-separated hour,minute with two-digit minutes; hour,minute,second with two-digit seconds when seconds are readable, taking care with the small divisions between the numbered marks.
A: 12,29,21
